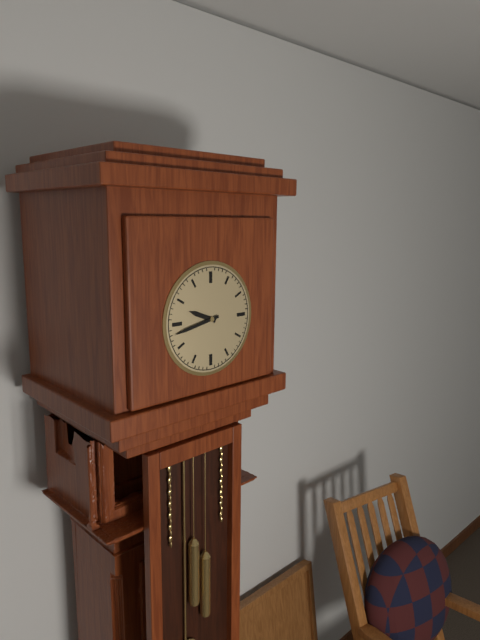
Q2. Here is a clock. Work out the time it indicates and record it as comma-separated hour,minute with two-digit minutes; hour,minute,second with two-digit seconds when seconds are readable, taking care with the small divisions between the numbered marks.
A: 9,43
